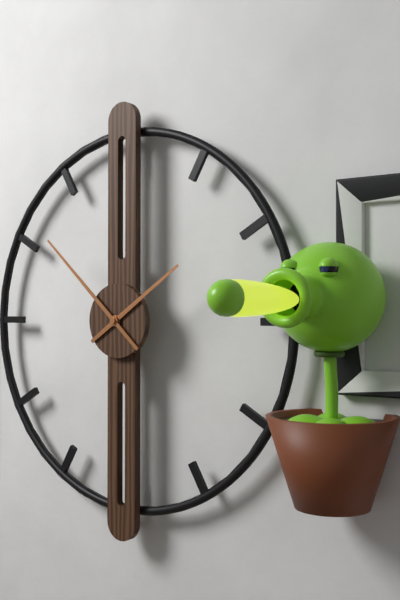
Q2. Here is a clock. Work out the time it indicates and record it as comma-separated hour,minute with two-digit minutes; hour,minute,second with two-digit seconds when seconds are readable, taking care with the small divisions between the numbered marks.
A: 1,52
